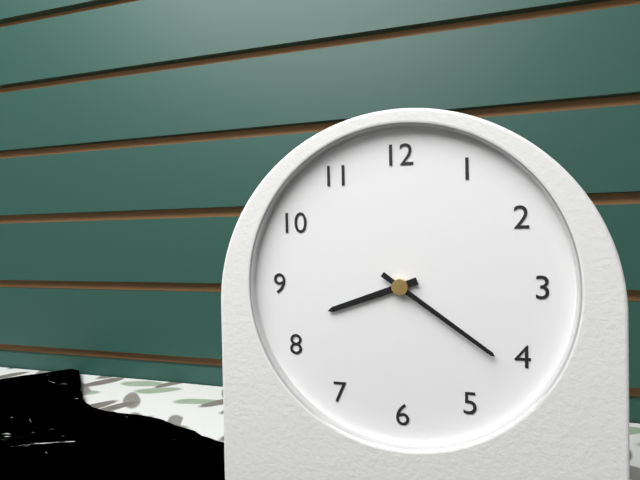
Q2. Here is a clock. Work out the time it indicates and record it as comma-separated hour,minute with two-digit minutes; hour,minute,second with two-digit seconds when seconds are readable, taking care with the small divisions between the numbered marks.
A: 8,21
